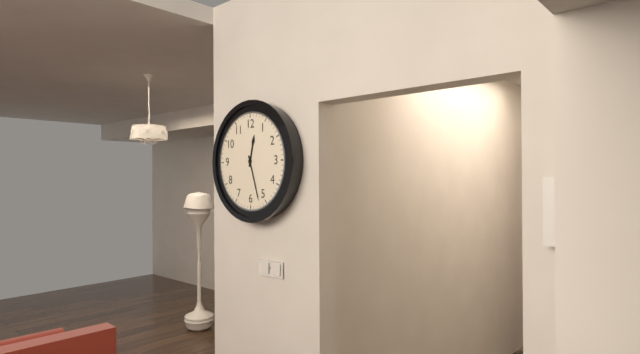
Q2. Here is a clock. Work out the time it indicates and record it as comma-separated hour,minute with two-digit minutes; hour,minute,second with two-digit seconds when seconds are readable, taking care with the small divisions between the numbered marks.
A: 12,27
